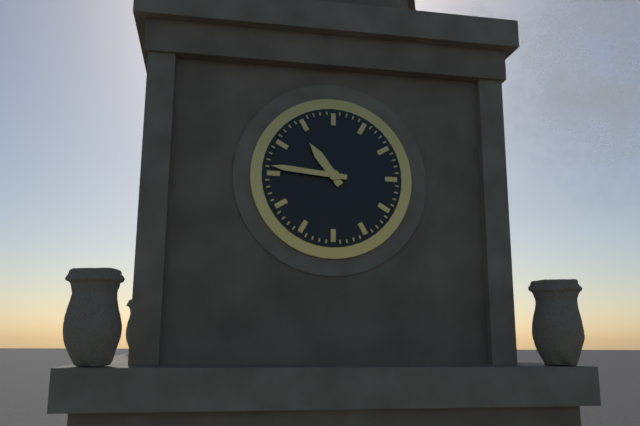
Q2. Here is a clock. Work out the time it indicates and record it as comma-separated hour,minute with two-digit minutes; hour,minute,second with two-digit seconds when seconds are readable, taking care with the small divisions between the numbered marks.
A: 10,46
